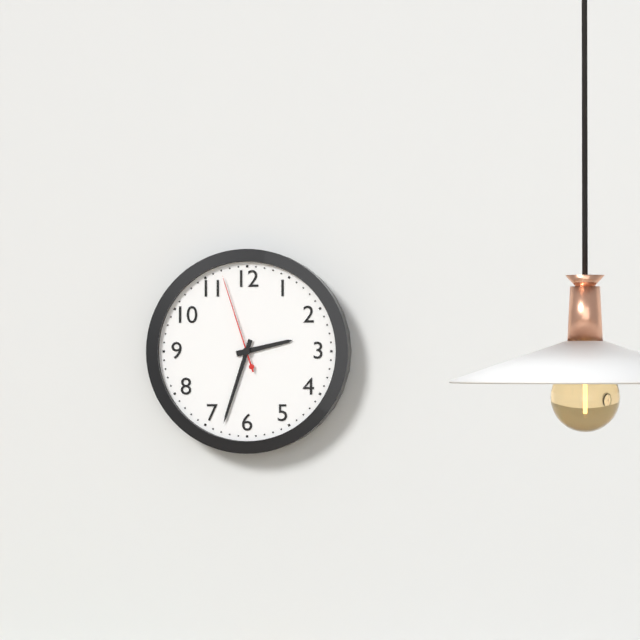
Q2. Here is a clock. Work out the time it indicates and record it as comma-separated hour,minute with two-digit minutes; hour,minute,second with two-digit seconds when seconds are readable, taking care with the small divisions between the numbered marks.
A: 2,33,57
